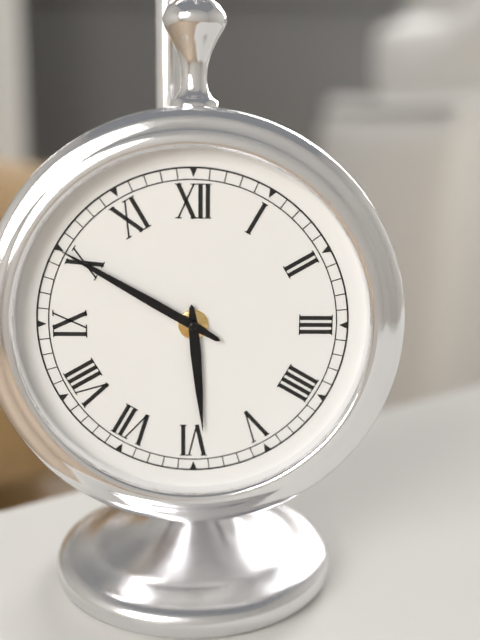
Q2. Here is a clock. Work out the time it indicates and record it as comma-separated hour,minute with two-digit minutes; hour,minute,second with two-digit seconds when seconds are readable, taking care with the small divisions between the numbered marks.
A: 5,50
